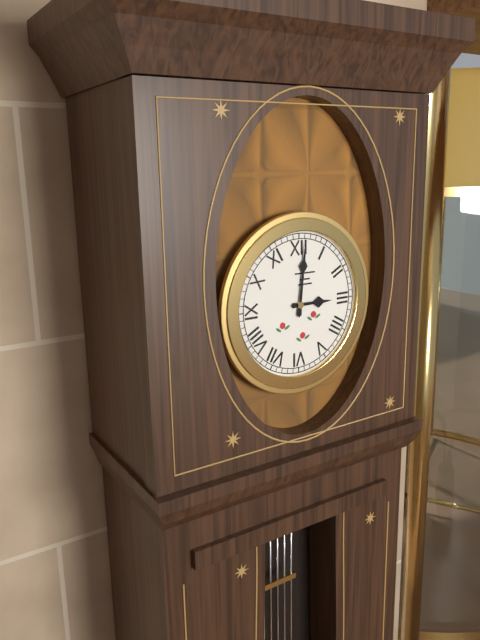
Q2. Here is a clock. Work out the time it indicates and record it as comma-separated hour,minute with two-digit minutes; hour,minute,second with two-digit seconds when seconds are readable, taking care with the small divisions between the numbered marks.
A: 3,01
